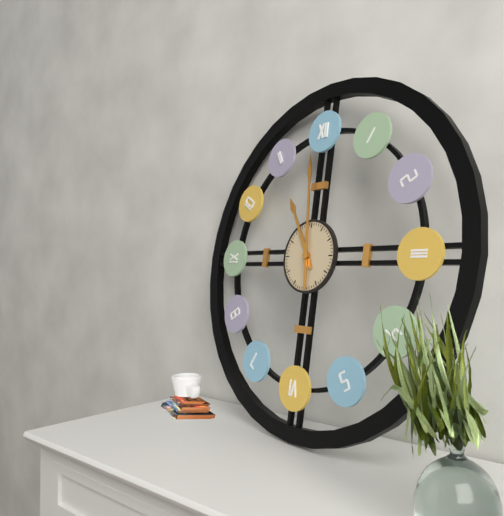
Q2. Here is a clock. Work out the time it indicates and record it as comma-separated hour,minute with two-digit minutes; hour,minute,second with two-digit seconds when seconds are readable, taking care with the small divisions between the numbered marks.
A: 10,59
